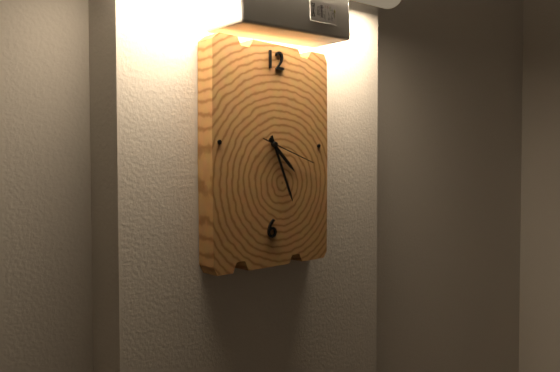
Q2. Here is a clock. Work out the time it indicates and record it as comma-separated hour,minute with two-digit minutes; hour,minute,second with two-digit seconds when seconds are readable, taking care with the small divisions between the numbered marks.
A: 4,26,18
